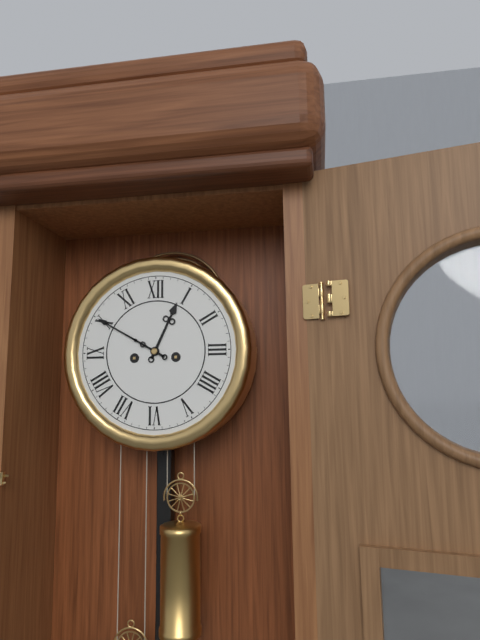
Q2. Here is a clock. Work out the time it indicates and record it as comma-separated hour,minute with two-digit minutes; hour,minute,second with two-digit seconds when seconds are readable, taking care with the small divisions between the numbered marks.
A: 12,50
